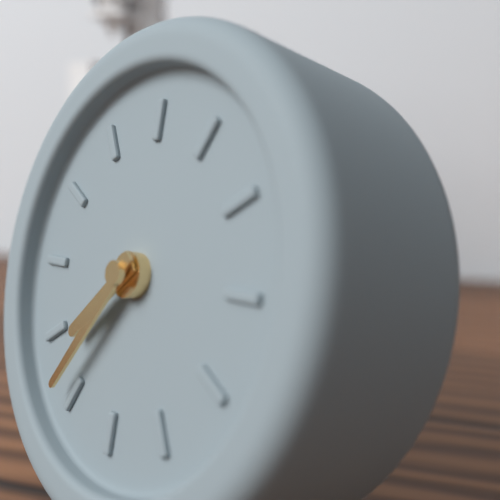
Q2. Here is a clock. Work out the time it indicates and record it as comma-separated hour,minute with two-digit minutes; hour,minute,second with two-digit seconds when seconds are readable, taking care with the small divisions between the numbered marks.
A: 7,36
